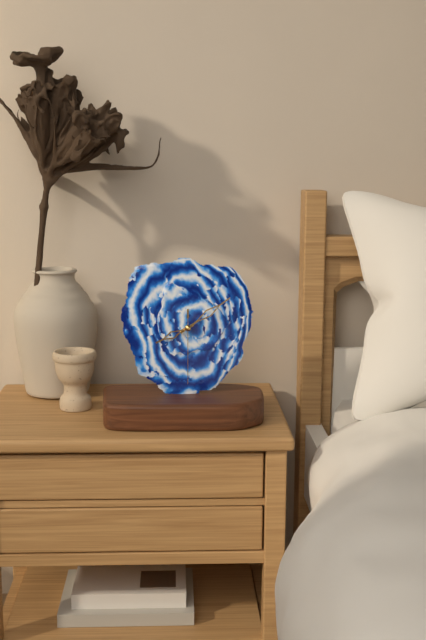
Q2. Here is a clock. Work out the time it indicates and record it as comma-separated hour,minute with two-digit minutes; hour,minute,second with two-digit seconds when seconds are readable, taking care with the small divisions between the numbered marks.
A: 8,09,30
